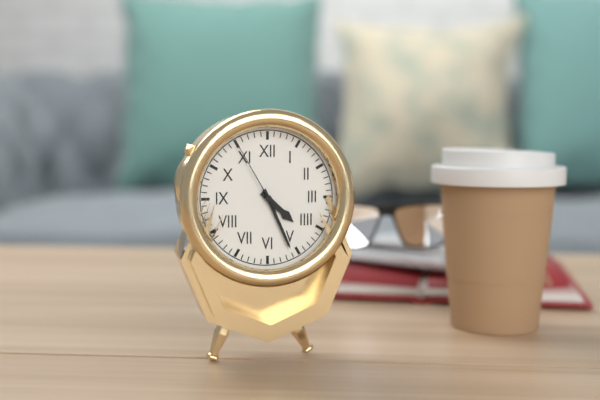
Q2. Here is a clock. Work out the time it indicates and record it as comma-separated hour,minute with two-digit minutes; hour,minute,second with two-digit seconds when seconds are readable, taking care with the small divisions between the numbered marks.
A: 4,26,55
